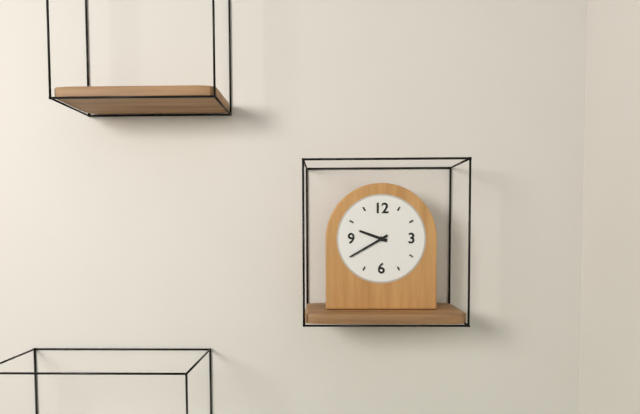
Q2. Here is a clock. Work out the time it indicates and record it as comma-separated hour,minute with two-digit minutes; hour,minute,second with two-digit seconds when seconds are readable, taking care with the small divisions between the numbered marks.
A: 9,40
